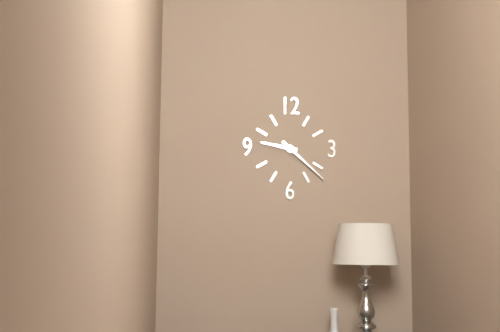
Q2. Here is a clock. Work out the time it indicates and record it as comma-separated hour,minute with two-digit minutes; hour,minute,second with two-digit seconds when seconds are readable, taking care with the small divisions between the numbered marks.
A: 9,22
